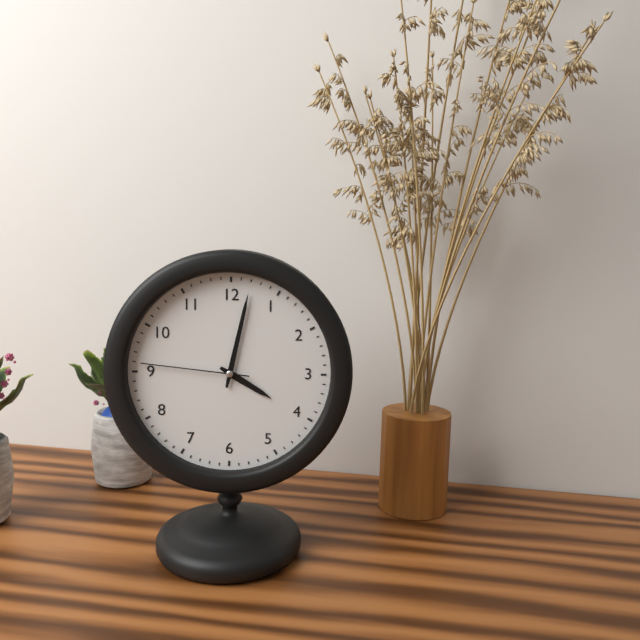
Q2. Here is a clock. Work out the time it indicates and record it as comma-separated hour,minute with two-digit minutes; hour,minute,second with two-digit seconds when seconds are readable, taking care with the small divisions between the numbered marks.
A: 4,02,46
